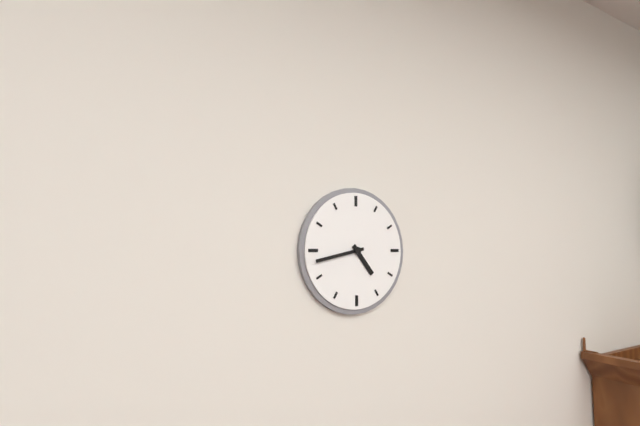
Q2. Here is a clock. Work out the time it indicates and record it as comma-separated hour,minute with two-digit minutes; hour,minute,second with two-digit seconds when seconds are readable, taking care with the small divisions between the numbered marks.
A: 4,43
